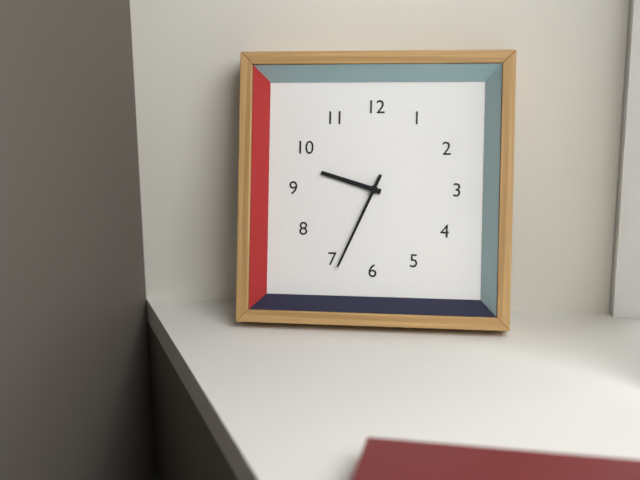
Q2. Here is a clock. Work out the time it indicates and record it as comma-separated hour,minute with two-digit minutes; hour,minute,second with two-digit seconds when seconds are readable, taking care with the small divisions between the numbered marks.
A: 9,34
